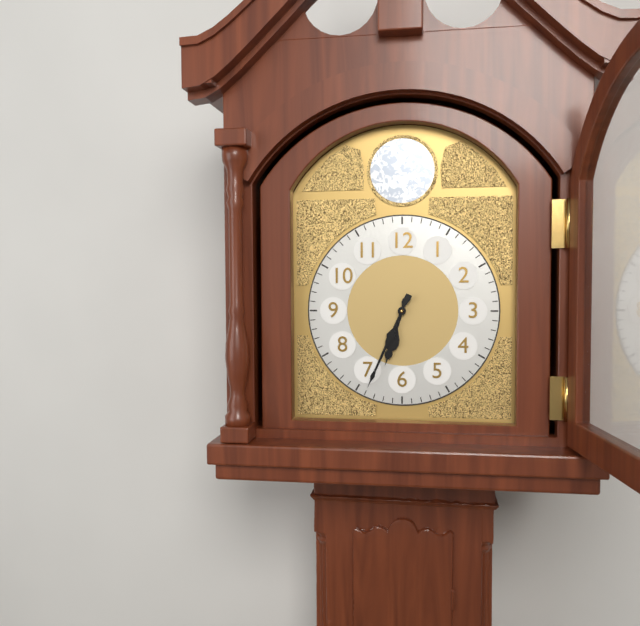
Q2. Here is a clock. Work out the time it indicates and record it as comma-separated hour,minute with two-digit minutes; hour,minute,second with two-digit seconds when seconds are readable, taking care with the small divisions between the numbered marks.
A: 6,34
